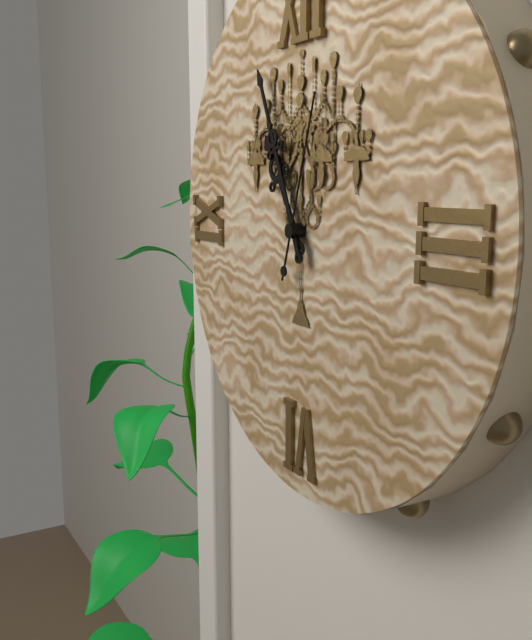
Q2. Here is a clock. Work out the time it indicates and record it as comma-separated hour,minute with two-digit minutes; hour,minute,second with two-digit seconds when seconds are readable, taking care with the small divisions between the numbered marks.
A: 10,56,03
